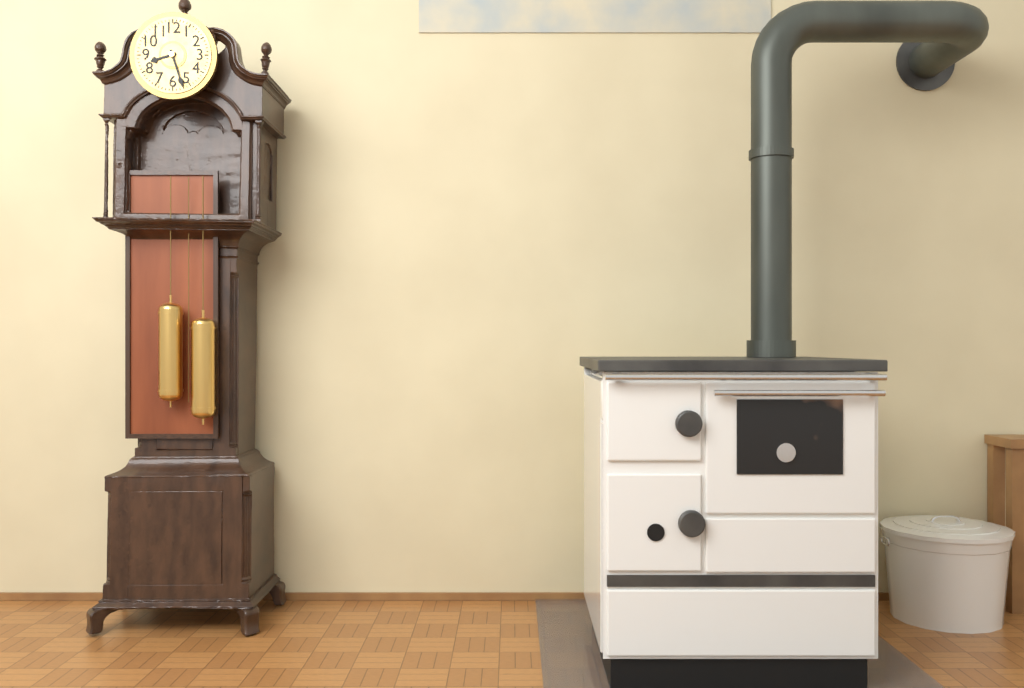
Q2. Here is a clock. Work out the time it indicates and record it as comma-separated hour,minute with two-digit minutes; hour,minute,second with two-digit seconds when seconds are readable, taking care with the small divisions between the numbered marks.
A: 8,27
